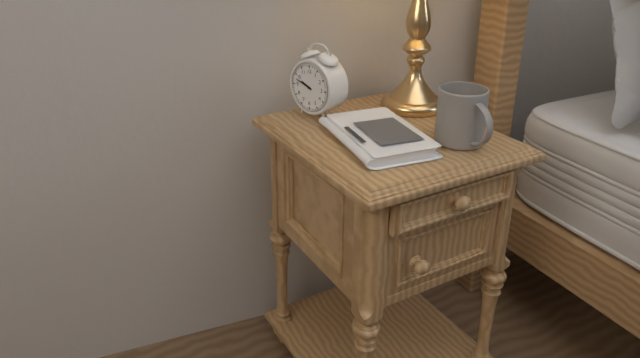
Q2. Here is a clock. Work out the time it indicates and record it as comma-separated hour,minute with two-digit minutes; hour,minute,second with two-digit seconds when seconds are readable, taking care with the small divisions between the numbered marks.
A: 9,48
